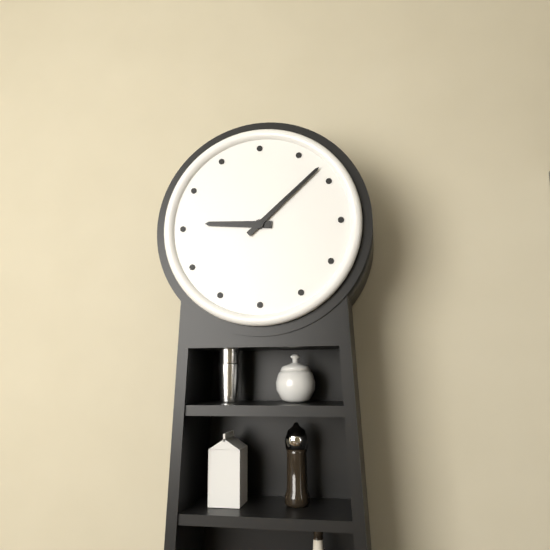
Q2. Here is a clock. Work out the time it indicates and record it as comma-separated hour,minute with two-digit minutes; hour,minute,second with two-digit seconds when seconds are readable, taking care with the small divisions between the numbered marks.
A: 9,08
